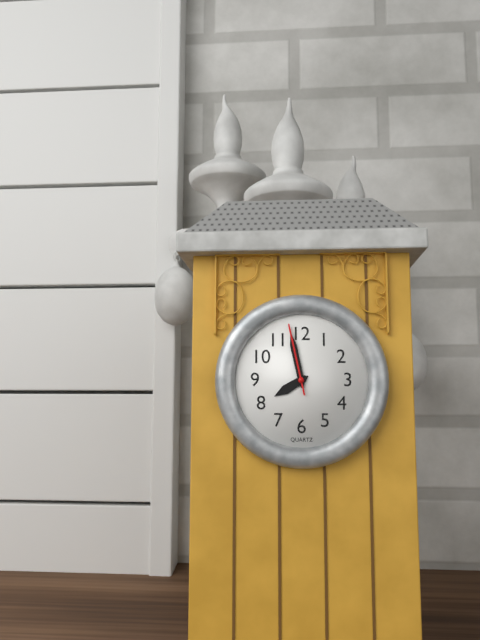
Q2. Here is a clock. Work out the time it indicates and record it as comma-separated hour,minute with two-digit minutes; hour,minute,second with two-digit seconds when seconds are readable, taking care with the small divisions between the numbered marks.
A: 7,58,58
